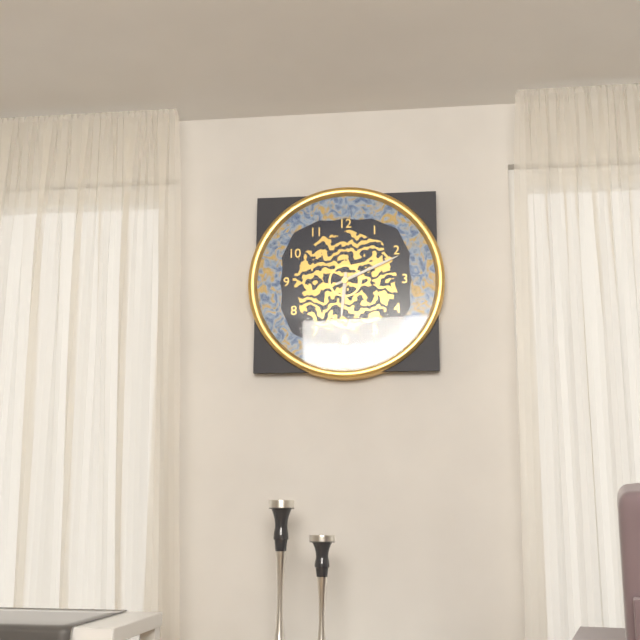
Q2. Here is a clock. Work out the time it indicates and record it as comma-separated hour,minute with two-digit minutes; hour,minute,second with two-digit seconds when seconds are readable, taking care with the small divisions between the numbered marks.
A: 6,11
